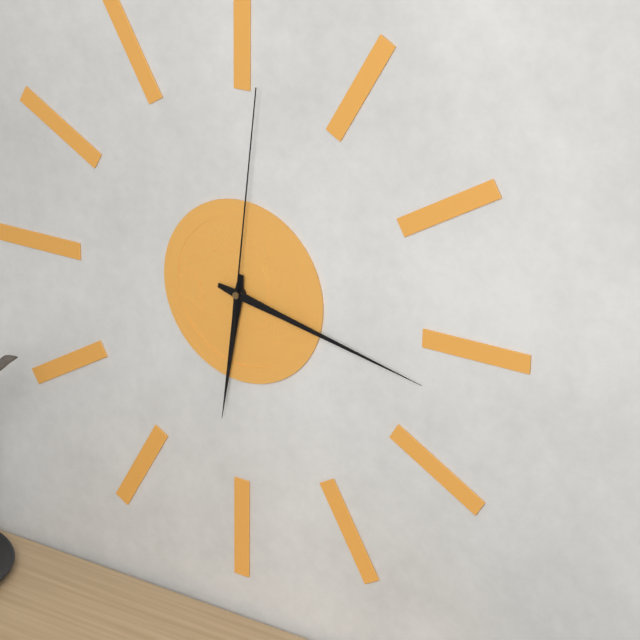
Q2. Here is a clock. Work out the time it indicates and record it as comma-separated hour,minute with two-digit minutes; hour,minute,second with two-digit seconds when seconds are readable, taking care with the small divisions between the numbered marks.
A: 6,17,01
